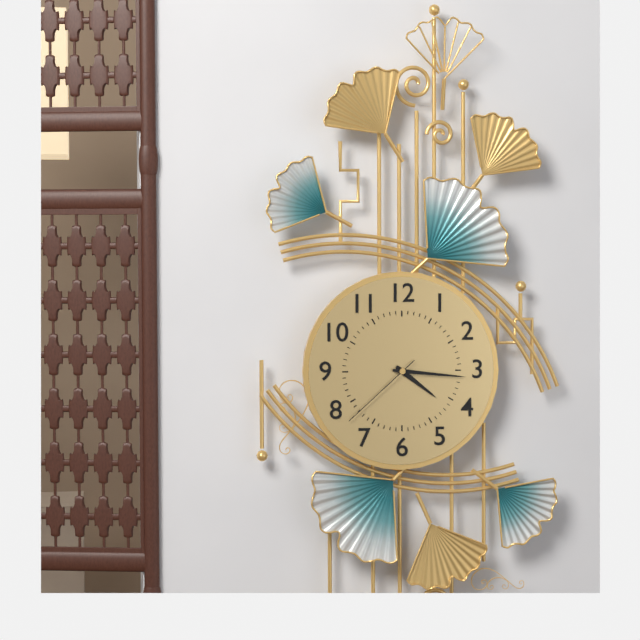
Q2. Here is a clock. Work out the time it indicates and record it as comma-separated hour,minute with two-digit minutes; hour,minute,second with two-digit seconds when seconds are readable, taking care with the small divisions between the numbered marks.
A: 4,16,38
